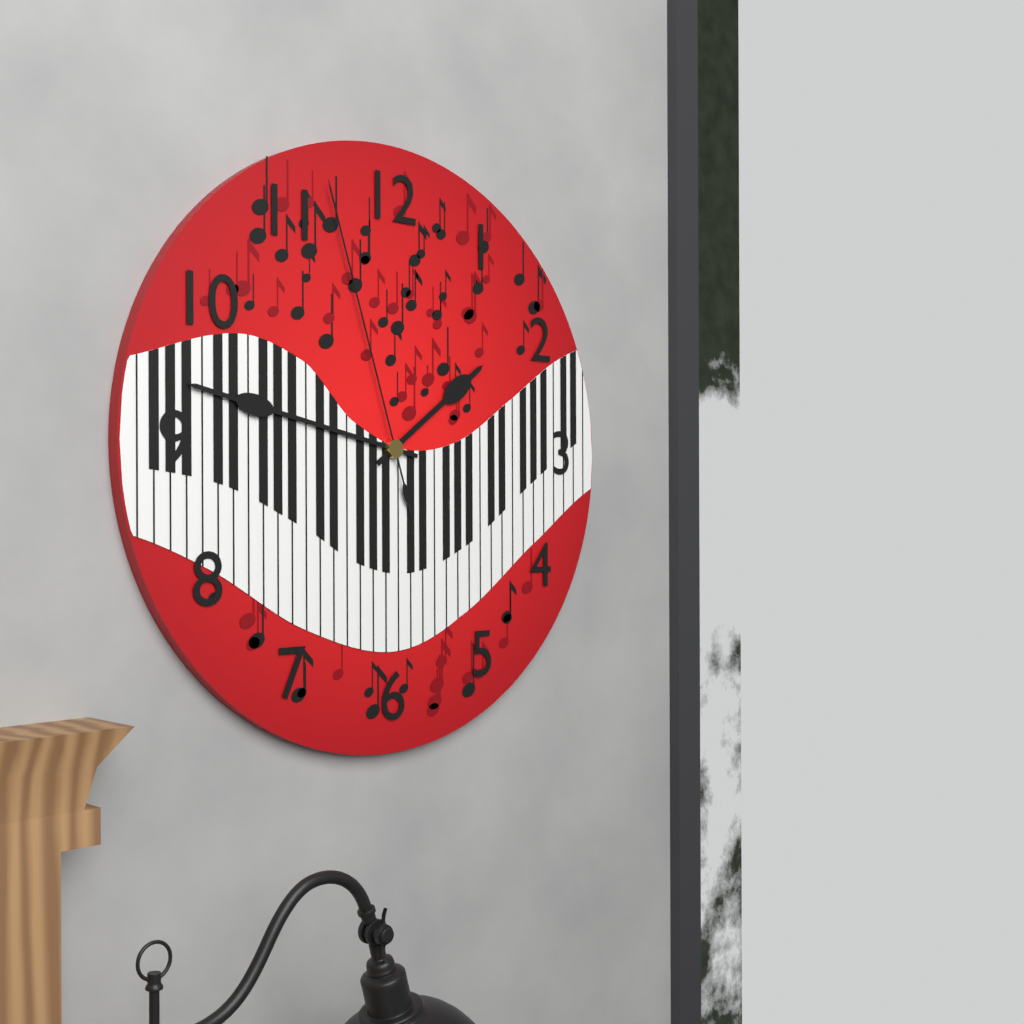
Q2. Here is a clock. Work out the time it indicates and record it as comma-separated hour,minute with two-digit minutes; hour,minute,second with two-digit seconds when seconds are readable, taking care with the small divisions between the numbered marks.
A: 1,47,57
